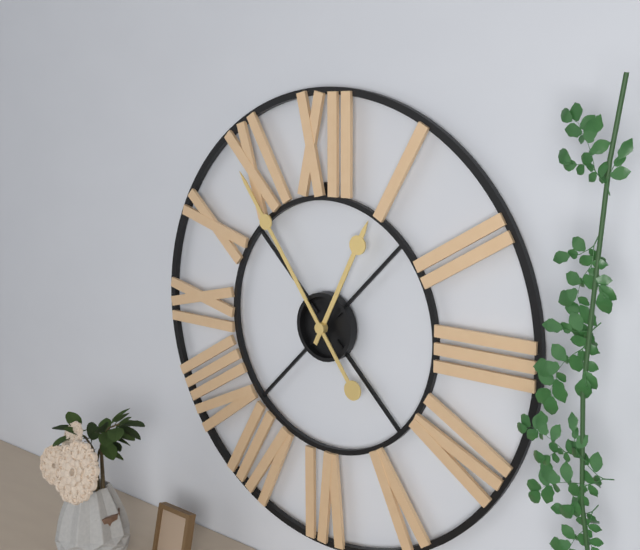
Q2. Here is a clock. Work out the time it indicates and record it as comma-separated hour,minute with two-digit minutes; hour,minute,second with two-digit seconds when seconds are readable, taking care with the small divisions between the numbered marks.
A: 12,54
